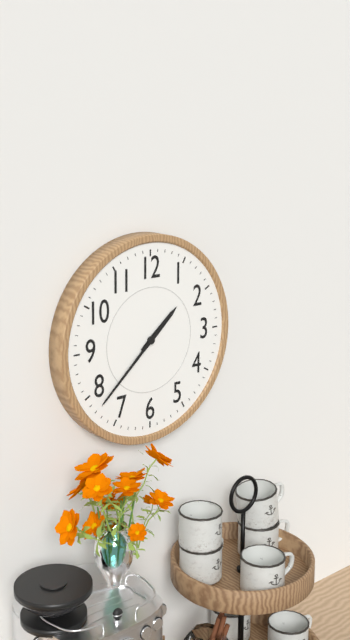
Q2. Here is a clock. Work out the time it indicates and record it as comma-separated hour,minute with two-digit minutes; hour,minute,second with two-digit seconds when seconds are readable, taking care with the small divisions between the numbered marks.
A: 1,38
